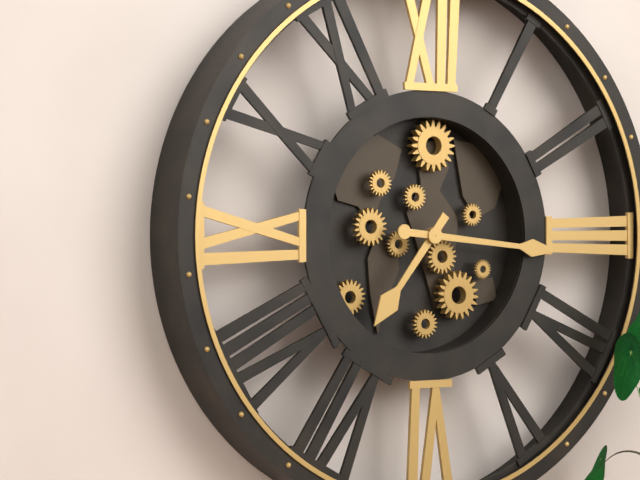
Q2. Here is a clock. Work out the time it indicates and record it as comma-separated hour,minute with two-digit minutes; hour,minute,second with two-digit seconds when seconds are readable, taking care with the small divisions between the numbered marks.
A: 7,16
